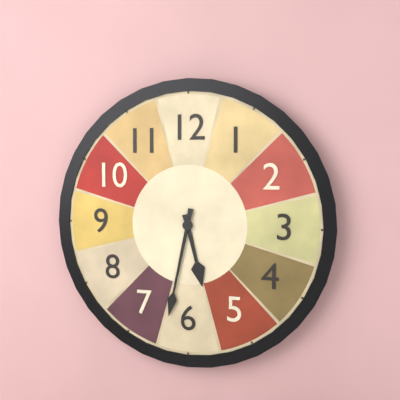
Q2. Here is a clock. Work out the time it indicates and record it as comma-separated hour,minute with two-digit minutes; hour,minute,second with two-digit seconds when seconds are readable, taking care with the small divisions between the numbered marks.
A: 5,32
